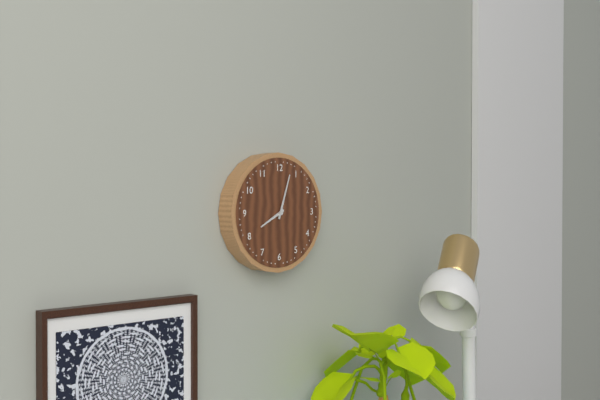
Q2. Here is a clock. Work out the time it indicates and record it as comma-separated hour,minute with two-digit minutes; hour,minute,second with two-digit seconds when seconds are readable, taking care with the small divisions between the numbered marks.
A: 8,03
